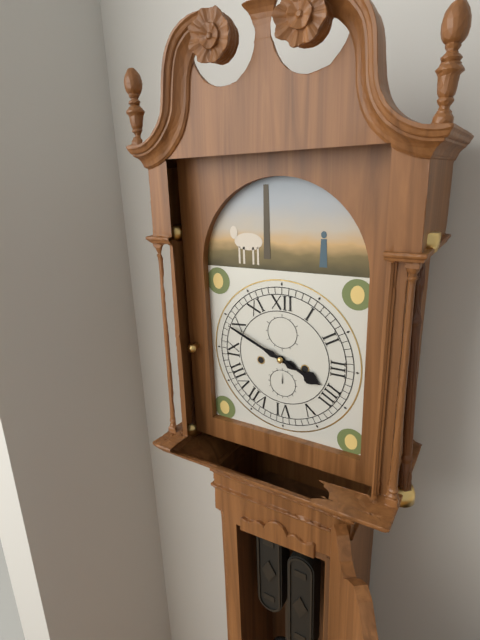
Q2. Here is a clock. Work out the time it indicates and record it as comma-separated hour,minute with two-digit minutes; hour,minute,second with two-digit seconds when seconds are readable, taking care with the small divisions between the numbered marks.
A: 3,49
